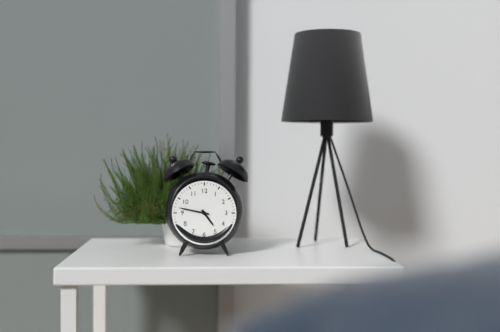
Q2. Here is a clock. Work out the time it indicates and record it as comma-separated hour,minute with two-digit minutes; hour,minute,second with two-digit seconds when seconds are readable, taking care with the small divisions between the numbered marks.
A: 4,47
